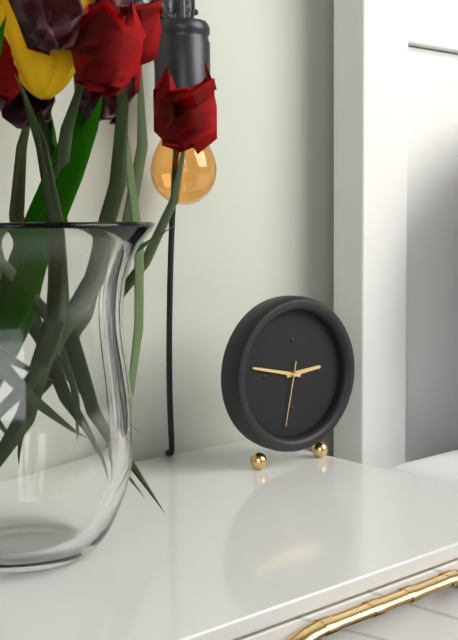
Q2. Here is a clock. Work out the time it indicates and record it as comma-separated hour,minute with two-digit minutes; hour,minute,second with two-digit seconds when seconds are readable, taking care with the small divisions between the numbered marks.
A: 2,47,32
